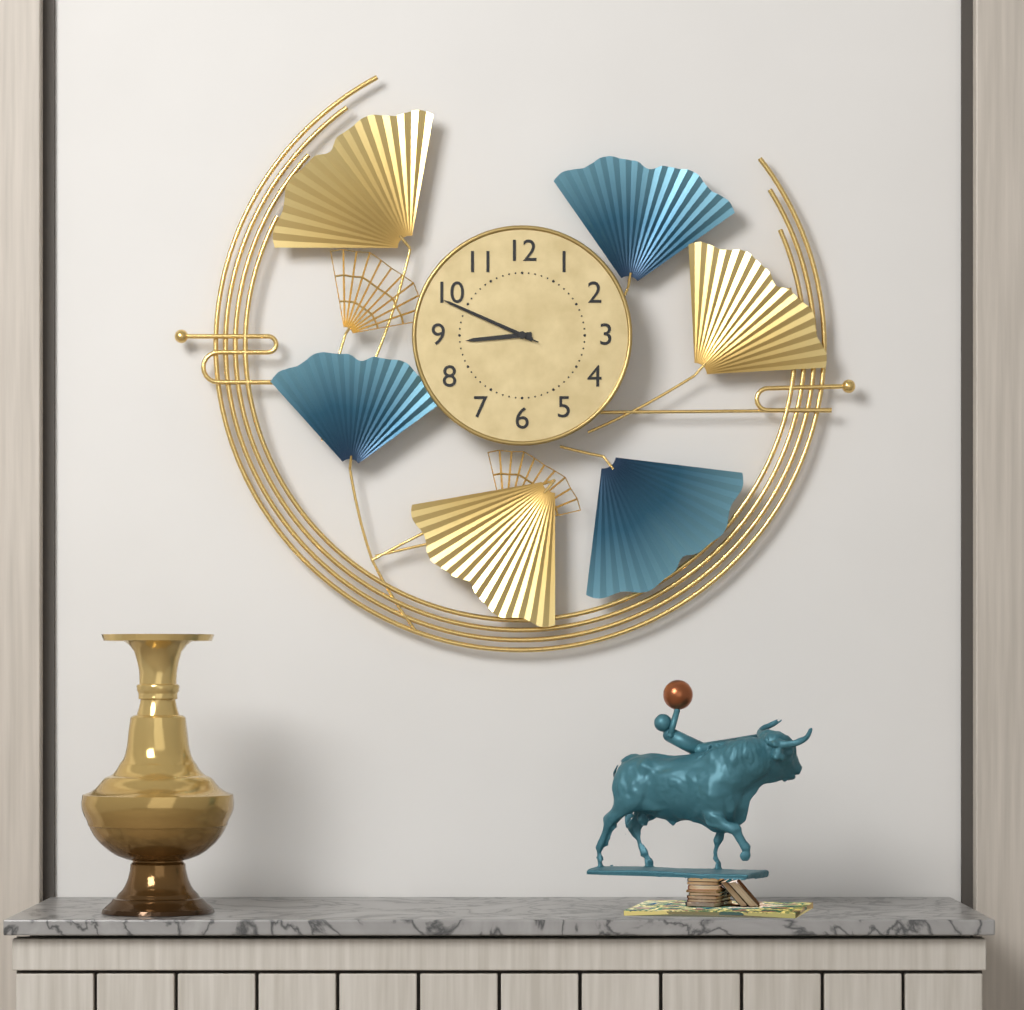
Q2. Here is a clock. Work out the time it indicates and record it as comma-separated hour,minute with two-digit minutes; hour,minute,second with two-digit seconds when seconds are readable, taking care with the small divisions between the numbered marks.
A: 8,49,49
